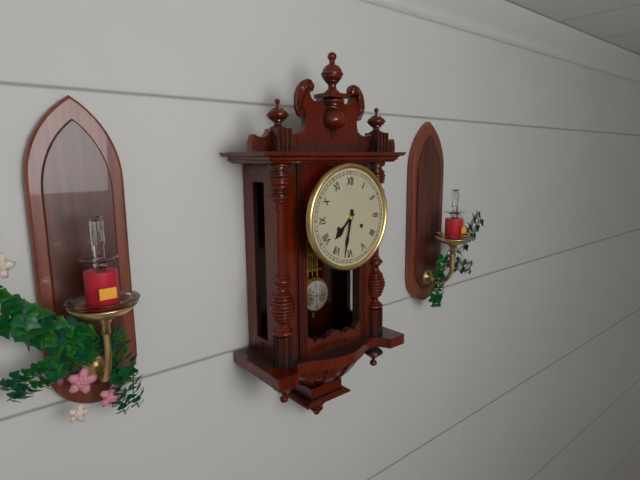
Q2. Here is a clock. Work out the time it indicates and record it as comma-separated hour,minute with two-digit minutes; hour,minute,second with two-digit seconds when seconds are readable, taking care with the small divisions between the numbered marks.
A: 7,32
